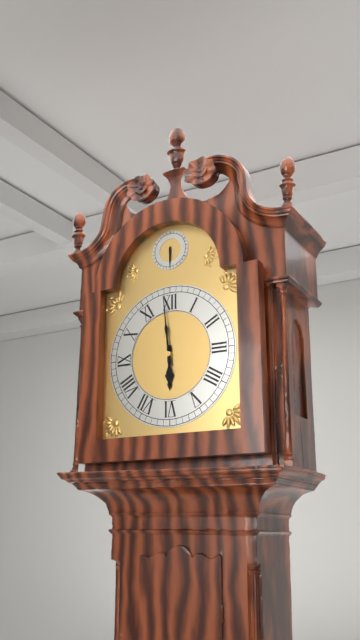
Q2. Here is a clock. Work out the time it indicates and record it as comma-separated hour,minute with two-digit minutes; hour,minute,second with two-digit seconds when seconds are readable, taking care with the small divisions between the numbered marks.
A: 5,59
